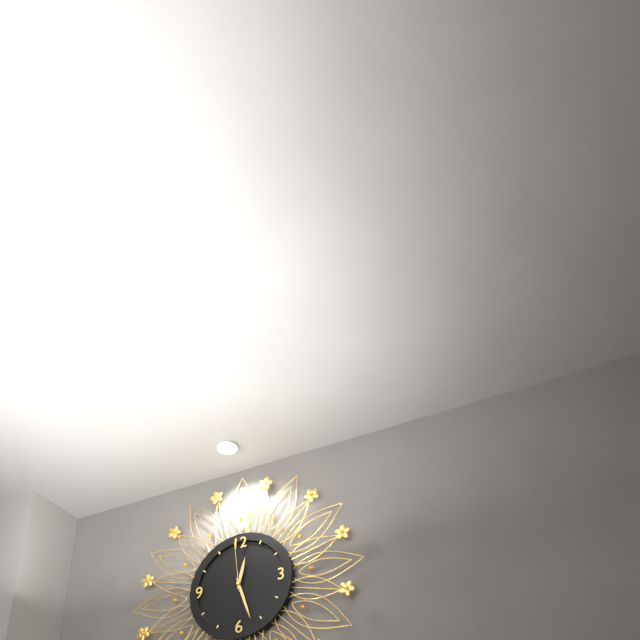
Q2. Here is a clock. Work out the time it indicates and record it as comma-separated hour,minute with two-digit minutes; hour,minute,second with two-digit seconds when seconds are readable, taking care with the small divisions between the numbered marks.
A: 12,27,59
